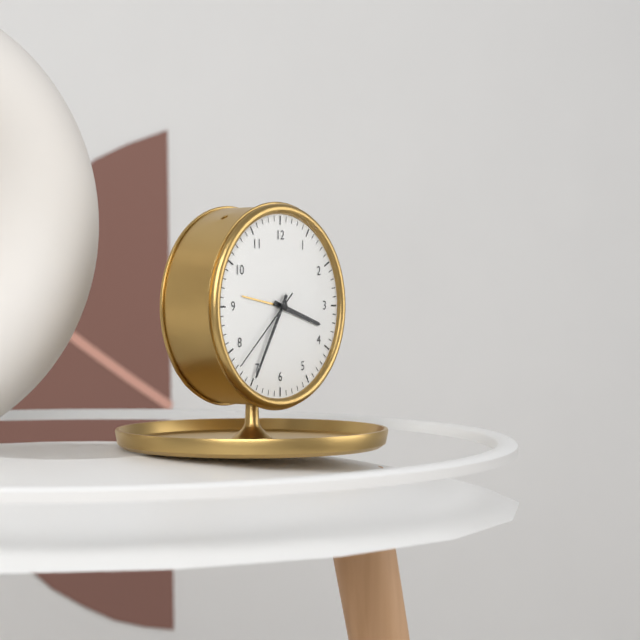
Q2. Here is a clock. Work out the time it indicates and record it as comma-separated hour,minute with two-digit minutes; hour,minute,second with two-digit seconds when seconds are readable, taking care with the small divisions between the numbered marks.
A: 3,35,38
